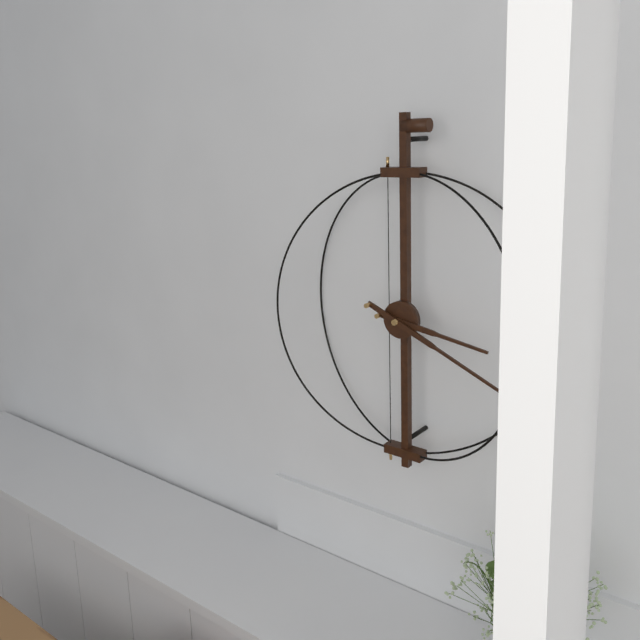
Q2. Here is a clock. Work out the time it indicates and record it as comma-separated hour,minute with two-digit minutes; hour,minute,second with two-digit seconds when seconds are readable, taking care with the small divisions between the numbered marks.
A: 3,19
